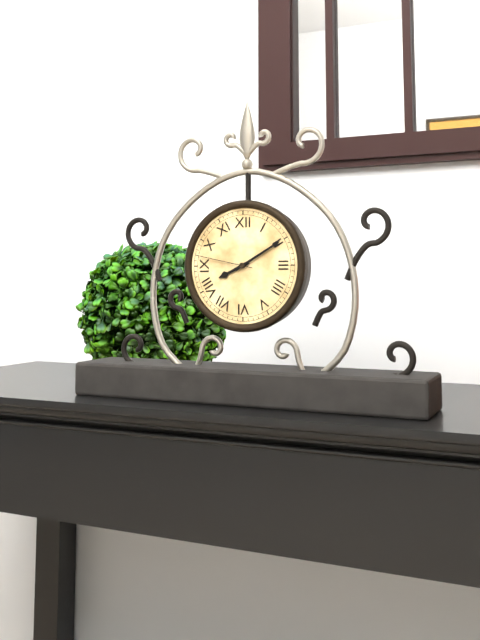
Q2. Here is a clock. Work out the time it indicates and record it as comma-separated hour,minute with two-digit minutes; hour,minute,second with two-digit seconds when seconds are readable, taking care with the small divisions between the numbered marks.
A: 8,10,47
